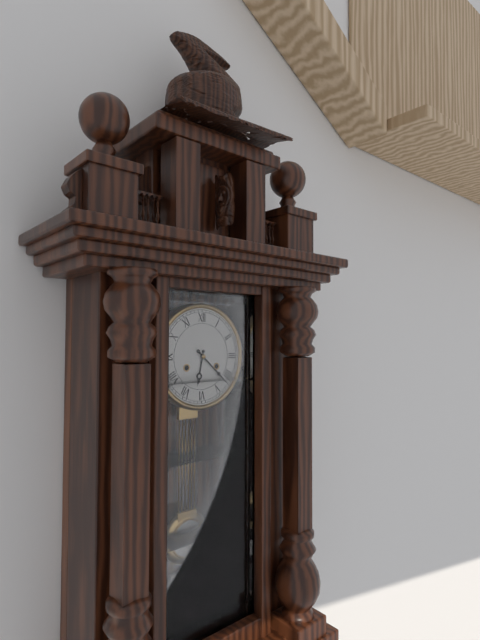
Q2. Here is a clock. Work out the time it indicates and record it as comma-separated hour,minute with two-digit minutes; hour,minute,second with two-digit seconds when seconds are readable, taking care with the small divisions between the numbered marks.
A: 6,22
